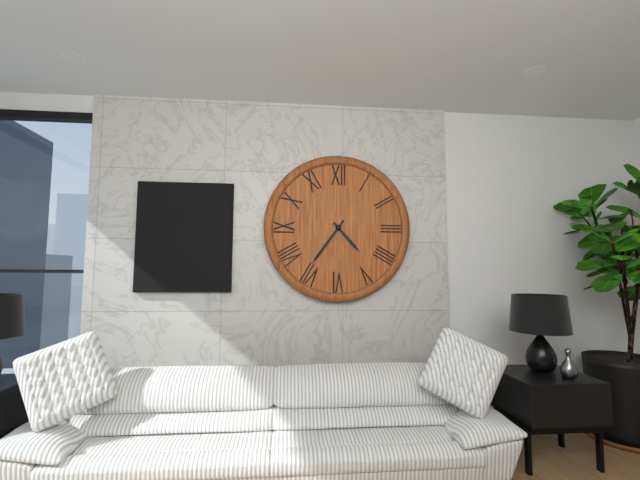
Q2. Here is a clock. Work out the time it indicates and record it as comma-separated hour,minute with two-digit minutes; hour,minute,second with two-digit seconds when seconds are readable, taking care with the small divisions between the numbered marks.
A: 4,36
